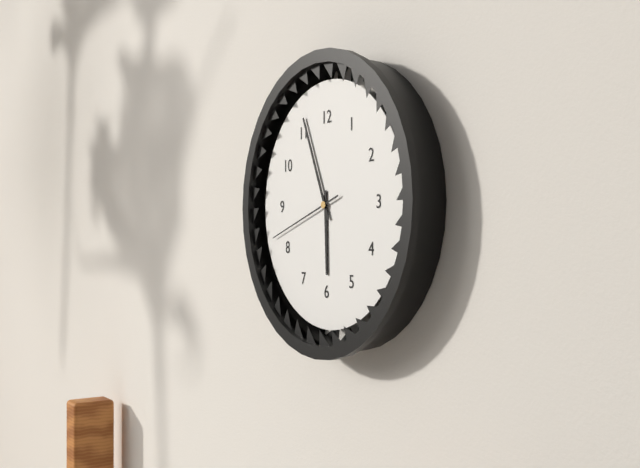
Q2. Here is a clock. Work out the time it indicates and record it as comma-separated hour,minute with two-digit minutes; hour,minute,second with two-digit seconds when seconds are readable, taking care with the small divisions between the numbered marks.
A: 5,56,42
